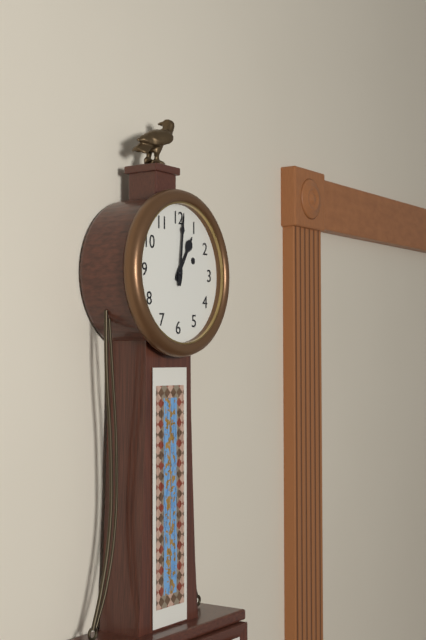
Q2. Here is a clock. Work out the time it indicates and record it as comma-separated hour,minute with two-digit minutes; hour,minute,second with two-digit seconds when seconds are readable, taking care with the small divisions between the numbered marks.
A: 1,01
